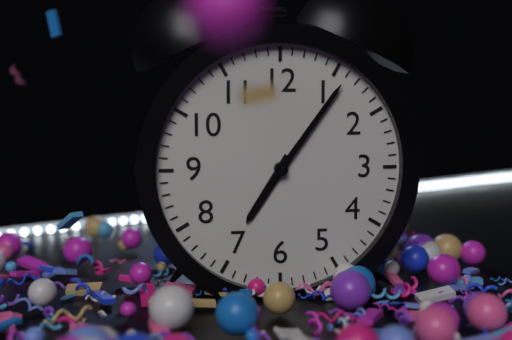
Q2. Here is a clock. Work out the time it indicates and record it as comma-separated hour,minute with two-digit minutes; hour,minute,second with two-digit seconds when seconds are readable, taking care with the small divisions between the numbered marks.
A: 7,06
